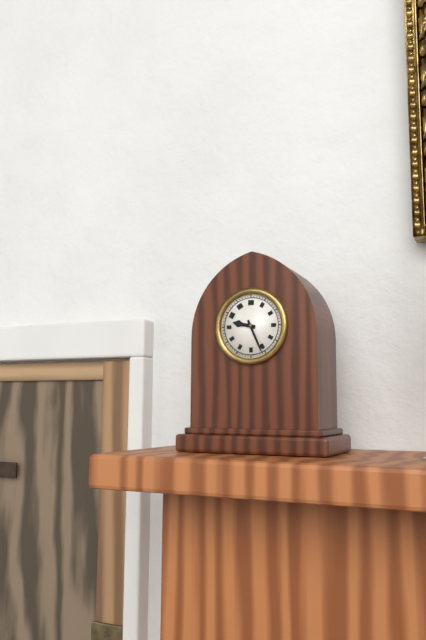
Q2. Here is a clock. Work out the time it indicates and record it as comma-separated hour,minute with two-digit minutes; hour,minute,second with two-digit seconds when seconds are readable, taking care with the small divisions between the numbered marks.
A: 9,26
